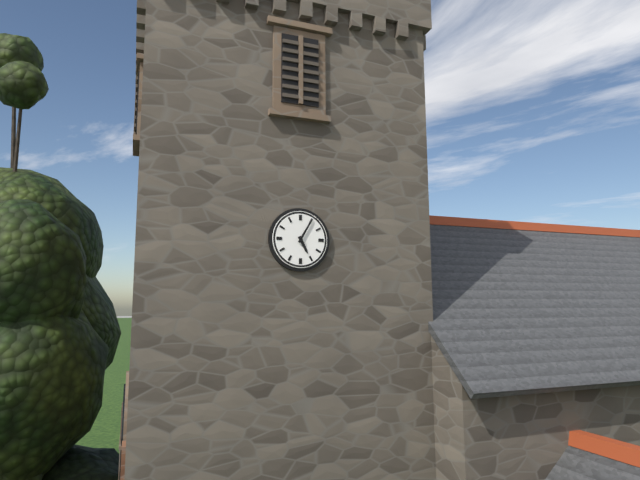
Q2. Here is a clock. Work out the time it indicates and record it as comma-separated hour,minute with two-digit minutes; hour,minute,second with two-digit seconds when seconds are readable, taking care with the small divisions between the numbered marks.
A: 5,05
